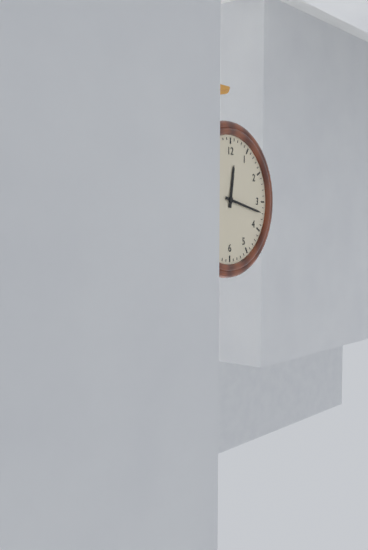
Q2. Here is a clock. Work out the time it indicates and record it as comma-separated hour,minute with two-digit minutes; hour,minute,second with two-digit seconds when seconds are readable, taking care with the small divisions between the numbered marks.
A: 12,17
